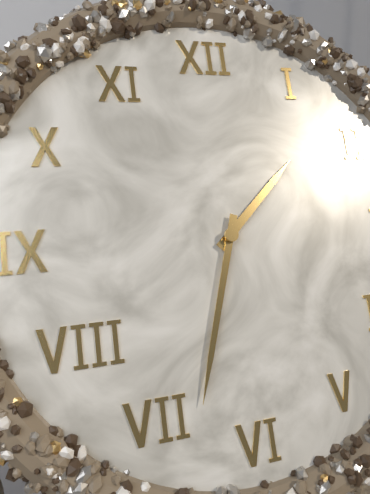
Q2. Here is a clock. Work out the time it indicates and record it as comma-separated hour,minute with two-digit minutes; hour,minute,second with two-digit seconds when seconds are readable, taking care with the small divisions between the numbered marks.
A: 1,33
